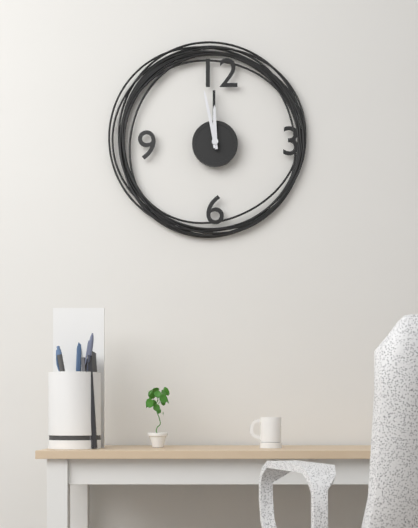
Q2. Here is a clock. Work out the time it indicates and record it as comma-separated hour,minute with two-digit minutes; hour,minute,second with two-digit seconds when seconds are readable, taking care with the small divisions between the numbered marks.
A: 11,58
